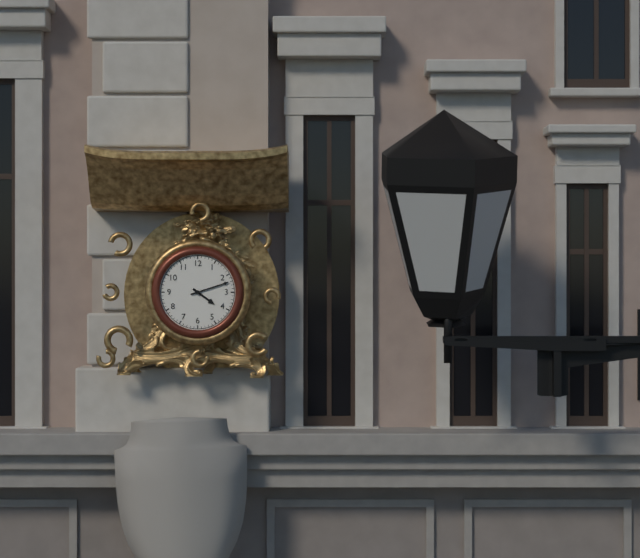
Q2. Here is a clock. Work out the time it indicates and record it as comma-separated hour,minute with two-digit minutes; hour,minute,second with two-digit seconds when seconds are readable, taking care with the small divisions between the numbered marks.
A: 4,12
